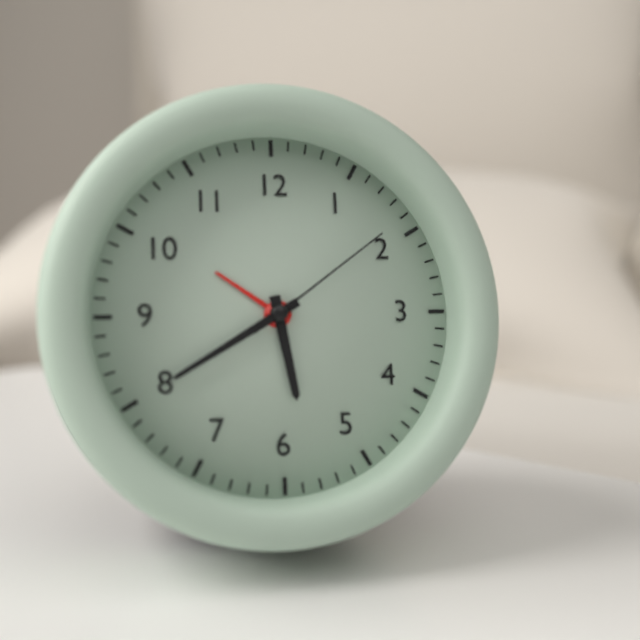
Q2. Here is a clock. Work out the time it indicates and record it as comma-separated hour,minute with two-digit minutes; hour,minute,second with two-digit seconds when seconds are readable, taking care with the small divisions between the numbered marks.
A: 5,40,09
